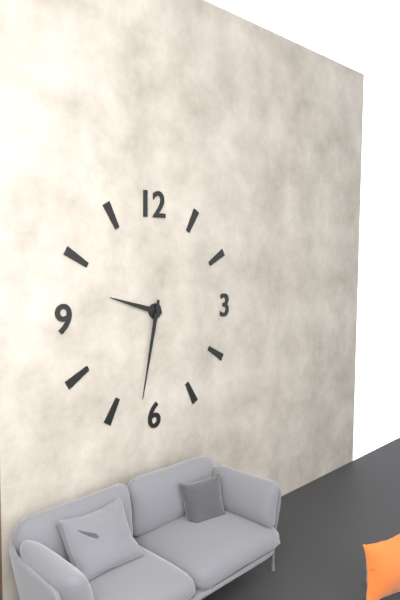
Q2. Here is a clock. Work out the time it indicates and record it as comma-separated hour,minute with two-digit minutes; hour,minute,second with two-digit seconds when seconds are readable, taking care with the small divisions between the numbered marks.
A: 9,32
